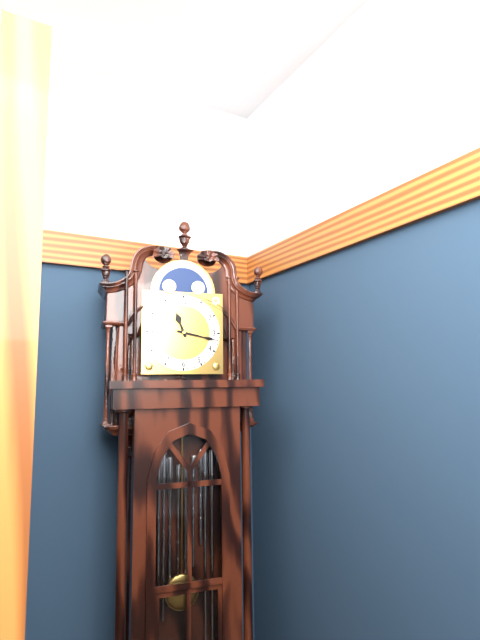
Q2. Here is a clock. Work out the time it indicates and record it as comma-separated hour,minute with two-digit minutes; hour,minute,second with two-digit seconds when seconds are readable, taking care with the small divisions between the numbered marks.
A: 11,17
